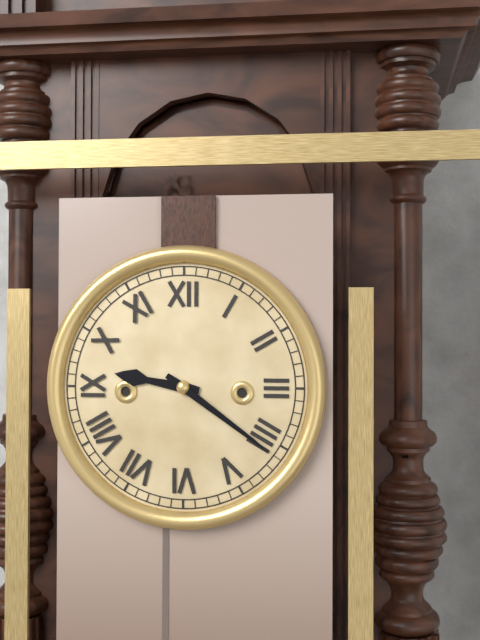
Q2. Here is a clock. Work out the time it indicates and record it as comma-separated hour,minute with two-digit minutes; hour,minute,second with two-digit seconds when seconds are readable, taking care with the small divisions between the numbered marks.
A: 9,21
